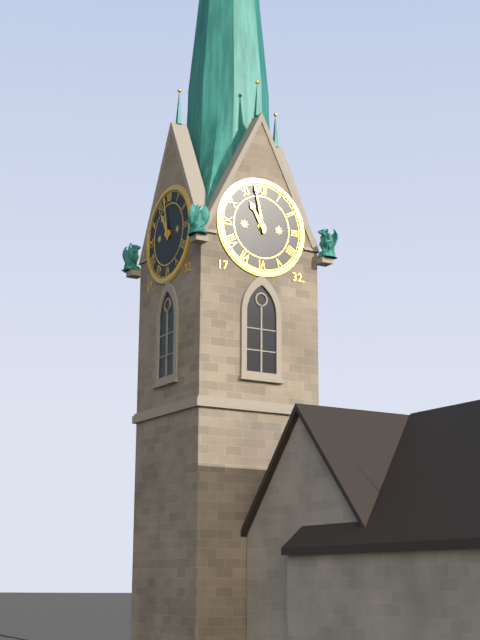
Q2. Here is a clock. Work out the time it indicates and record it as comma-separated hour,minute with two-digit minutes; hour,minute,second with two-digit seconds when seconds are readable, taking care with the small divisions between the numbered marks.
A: 10,58
